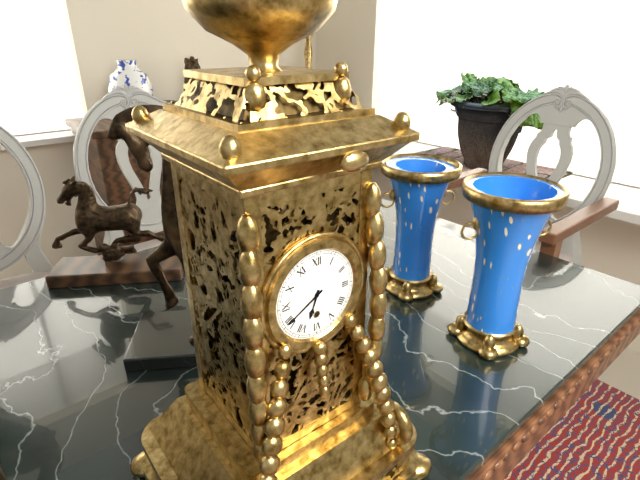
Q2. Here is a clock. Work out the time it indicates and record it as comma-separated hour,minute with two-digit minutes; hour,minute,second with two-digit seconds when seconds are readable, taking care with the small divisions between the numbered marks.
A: 6,40
